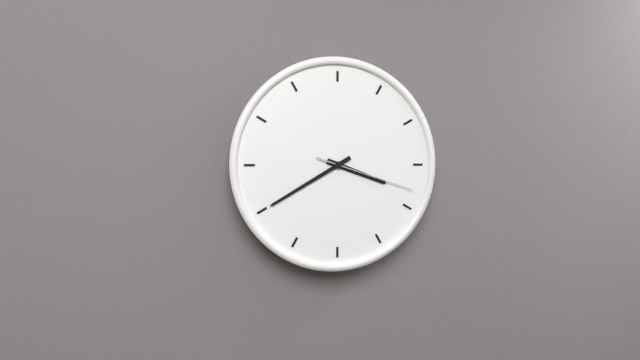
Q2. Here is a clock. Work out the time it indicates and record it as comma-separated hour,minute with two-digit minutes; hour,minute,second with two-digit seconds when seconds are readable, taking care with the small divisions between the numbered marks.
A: 3,40,18
